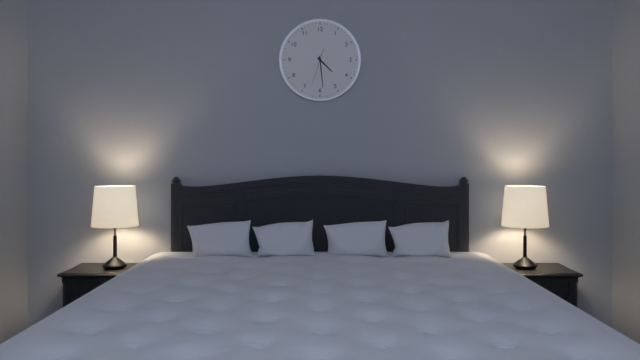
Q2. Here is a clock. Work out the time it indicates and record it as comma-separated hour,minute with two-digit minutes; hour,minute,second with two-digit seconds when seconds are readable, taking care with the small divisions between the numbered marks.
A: 4,29
